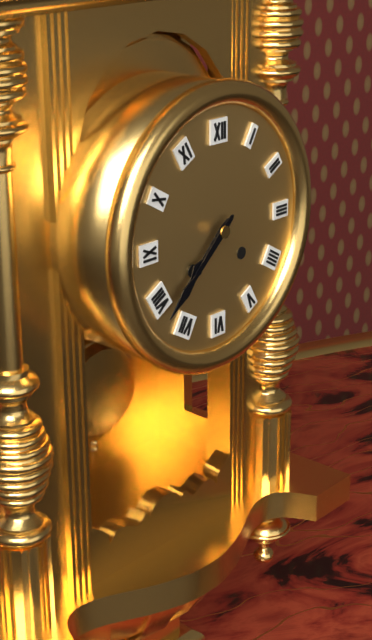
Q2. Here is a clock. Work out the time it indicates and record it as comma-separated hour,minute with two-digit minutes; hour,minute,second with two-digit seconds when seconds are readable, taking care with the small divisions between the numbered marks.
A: 7,38
